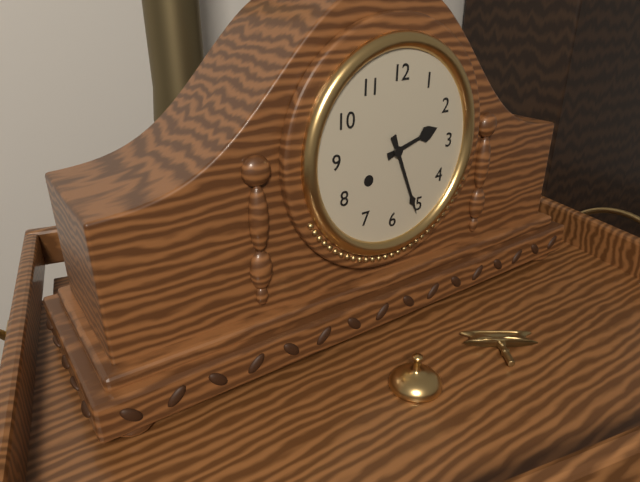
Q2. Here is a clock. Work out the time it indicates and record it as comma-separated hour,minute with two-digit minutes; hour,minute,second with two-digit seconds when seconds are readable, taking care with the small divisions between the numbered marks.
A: 2,26
